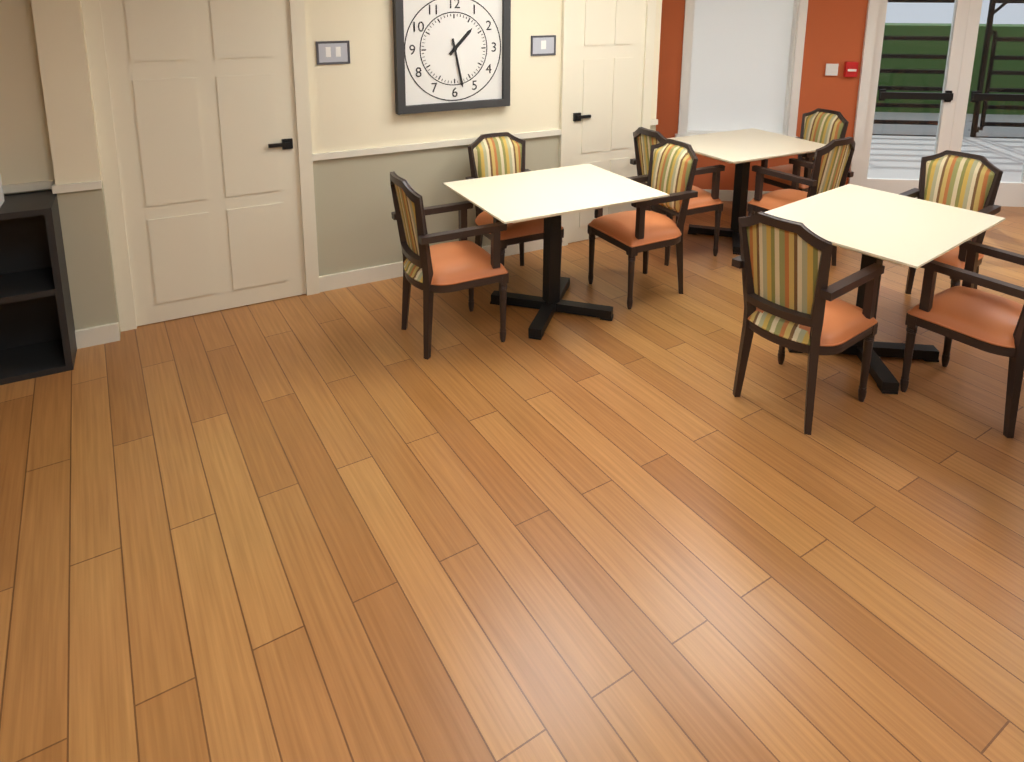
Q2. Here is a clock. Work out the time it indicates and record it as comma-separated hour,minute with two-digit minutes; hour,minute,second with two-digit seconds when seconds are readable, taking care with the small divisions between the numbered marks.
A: 1,28
